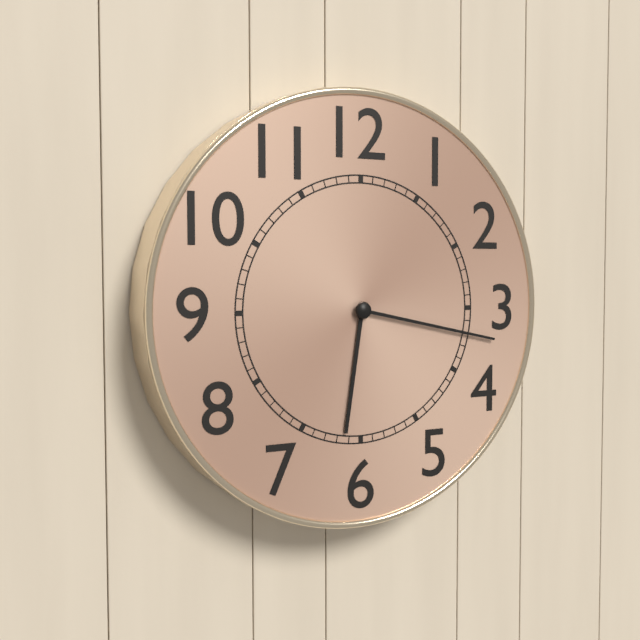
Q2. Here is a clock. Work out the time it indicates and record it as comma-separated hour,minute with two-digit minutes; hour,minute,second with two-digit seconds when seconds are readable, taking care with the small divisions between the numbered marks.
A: 6,17
